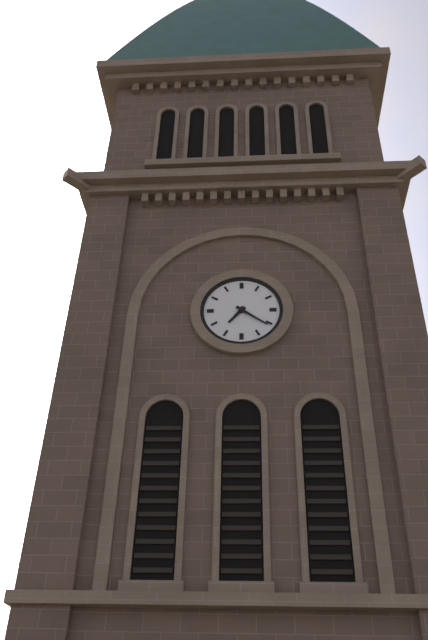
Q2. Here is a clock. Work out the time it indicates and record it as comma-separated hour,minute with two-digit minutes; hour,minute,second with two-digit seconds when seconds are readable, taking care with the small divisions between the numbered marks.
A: 7,21
